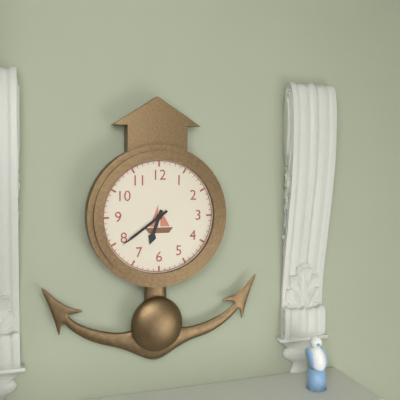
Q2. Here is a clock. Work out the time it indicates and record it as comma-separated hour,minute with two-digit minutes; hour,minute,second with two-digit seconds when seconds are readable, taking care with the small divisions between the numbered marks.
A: 6,39
